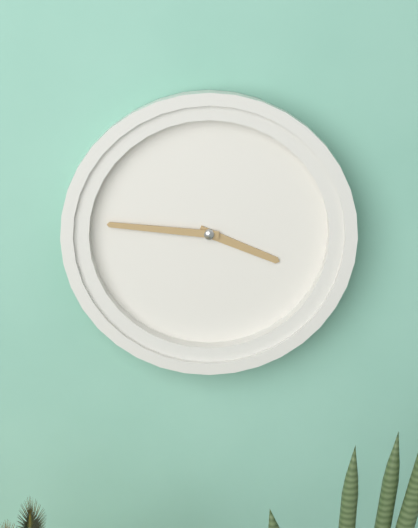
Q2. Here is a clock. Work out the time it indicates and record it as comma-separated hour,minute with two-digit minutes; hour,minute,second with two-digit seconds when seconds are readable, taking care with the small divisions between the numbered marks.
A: 3,46
